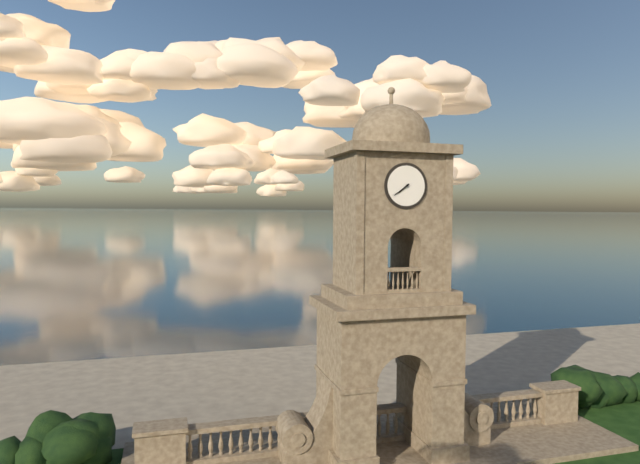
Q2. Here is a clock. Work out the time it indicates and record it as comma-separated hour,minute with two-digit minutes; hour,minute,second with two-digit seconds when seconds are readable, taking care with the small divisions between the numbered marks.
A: 7,39
